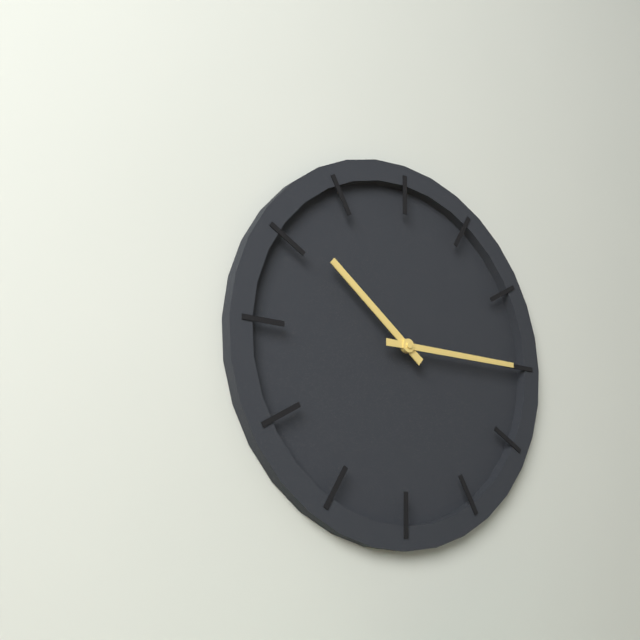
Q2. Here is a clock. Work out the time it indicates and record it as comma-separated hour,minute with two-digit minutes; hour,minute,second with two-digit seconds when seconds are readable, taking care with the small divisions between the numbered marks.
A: 10,15
